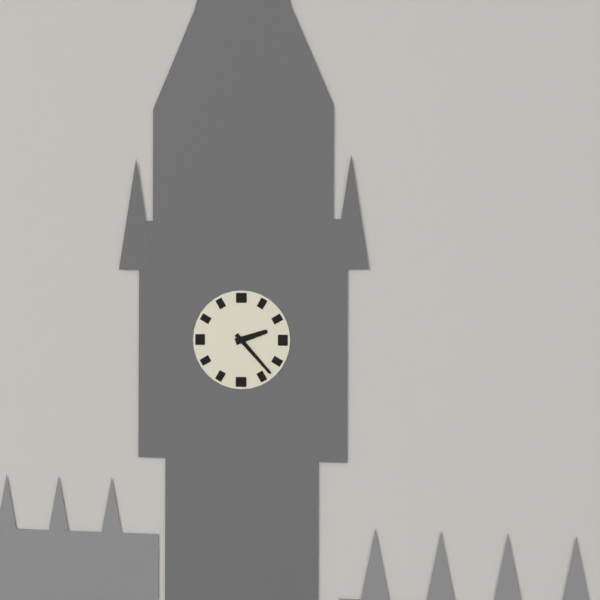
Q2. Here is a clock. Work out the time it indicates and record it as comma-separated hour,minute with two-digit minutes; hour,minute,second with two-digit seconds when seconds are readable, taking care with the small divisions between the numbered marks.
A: 2,23
